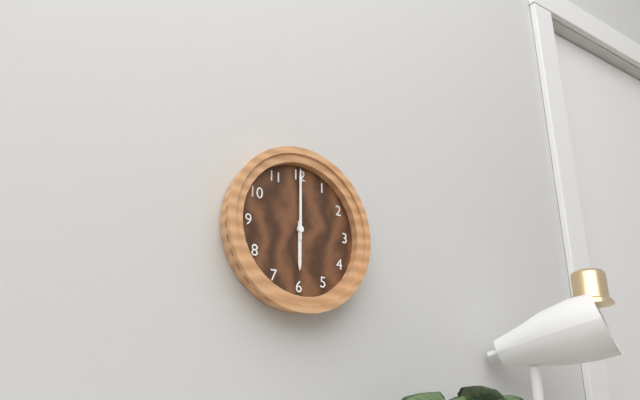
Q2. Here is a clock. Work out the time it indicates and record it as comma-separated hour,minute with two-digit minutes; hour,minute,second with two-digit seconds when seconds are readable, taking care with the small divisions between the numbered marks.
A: 6,00
